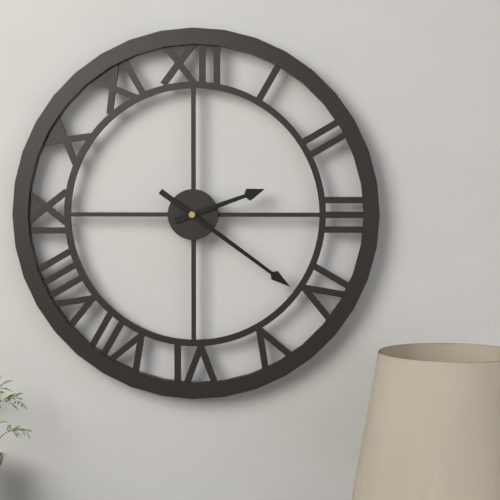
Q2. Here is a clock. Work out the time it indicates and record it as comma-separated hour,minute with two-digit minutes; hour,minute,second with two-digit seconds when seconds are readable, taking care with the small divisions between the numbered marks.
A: 2,21
